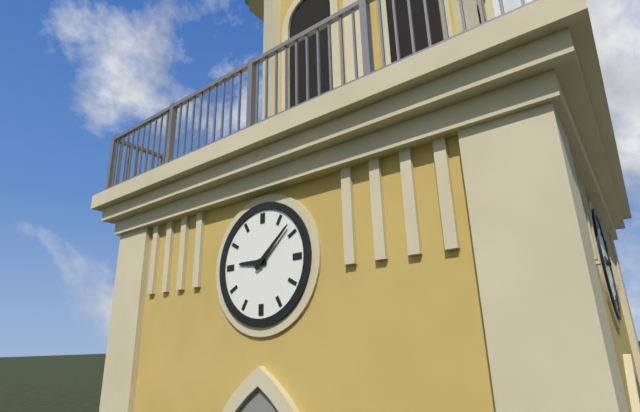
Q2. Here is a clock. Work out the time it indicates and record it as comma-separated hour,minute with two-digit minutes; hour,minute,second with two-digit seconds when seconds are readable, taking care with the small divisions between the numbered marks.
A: 9,08
